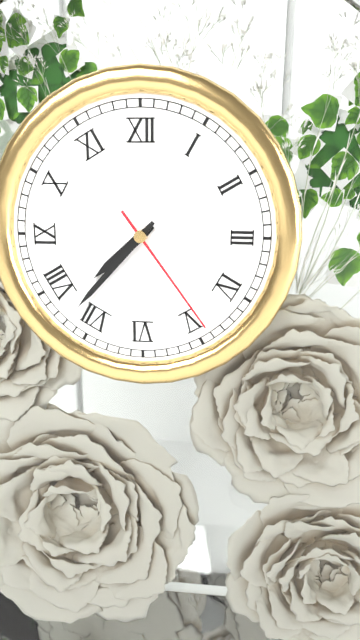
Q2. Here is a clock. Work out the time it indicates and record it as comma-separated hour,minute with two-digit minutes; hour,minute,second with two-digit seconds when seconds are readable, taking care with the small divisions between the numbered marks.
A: 7,37,24
